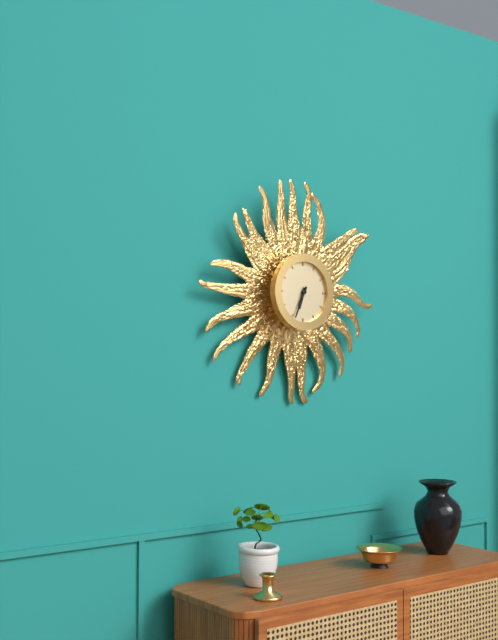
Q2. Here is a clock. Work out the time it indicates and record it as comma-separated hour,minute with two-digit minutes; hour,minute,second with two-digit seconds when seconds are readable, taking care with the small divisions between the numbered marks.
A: 6,34
